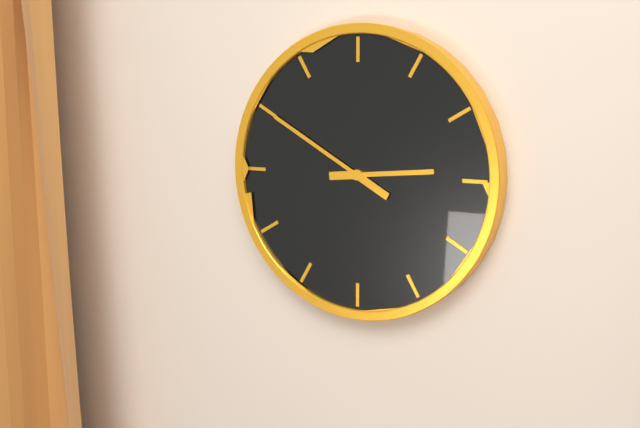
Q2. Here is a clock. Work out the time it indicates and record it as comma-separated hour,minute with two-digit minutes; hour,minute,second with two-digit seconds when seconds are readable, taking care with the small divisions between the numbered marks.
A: 2,50
